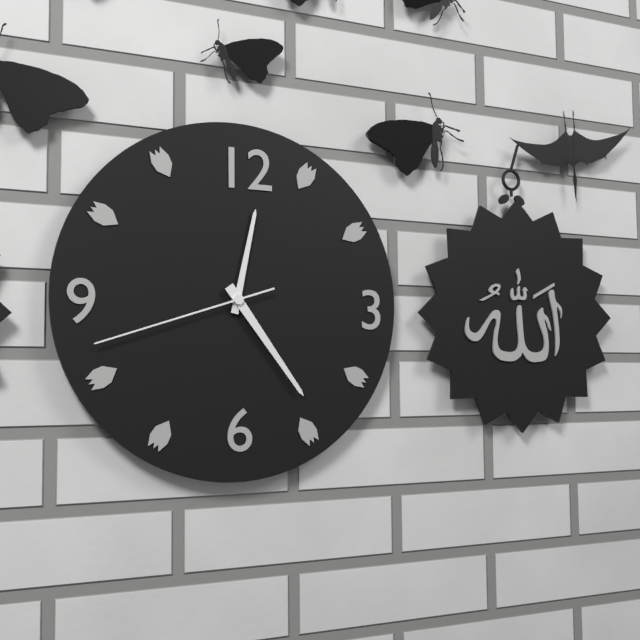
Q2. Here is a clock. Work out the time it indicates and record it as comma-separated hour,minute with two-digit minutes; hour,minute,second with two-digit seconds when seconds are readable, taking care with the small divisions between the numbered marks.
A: 12,24,42
